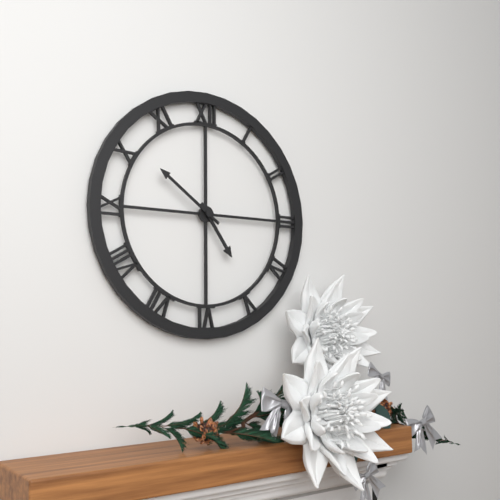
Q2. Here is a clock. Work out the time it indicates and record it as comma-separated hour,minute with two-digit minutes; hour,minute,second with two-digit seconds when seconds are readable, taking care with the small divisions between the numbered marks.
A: 4,51
